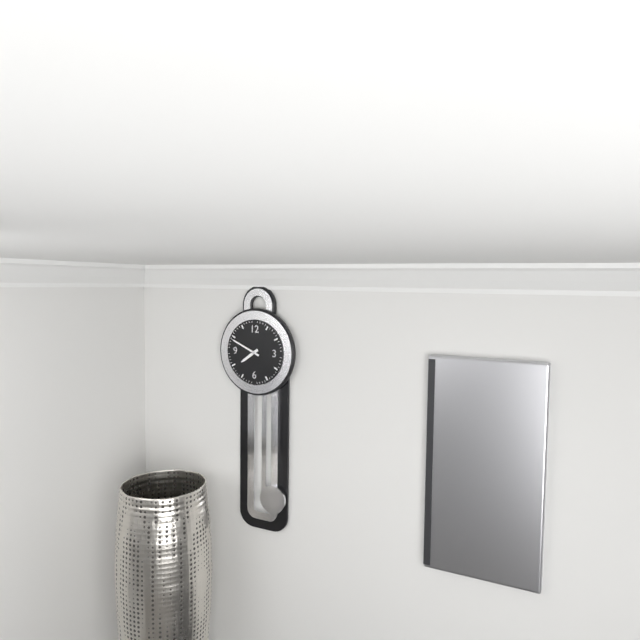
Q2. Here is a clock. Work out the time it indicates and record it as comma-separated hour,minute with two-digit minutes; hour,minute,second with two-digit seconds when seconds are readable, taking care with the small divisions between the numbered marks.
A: 7,49
